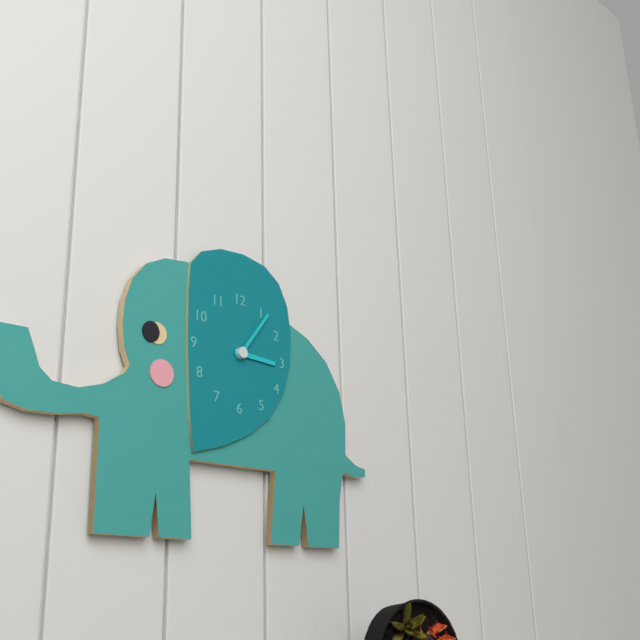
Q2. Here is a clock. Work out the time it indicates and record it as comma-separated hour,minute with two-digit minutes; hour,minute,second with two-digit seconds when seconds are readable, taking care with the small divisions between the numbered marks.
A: 3,06
